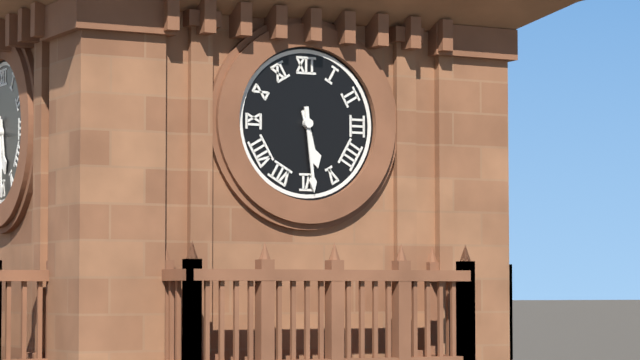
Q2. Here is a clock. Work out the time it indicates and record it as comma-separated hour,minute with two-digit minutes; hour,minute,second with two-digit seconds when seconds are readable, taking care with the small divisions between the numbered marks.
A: 5,29
